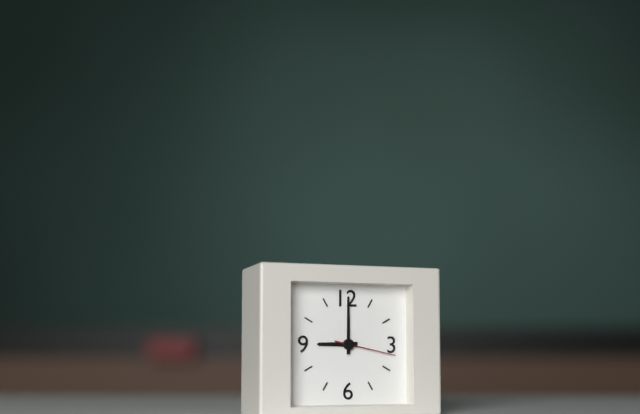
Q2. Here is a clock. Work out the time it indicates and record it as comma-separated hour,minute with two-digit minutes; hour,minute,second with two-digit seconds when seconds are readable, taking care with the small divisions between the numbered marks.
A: 9,00,17
